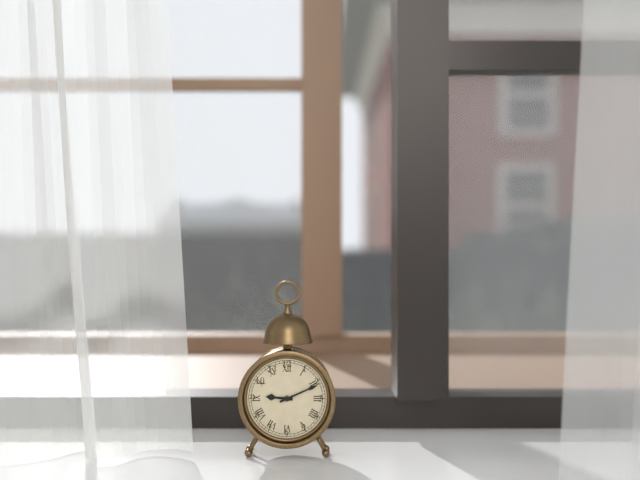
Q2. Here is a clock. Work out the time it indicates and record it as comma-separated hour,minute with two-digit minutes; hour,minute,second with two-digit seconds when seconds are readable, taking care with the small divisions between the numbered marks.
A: 9,11
